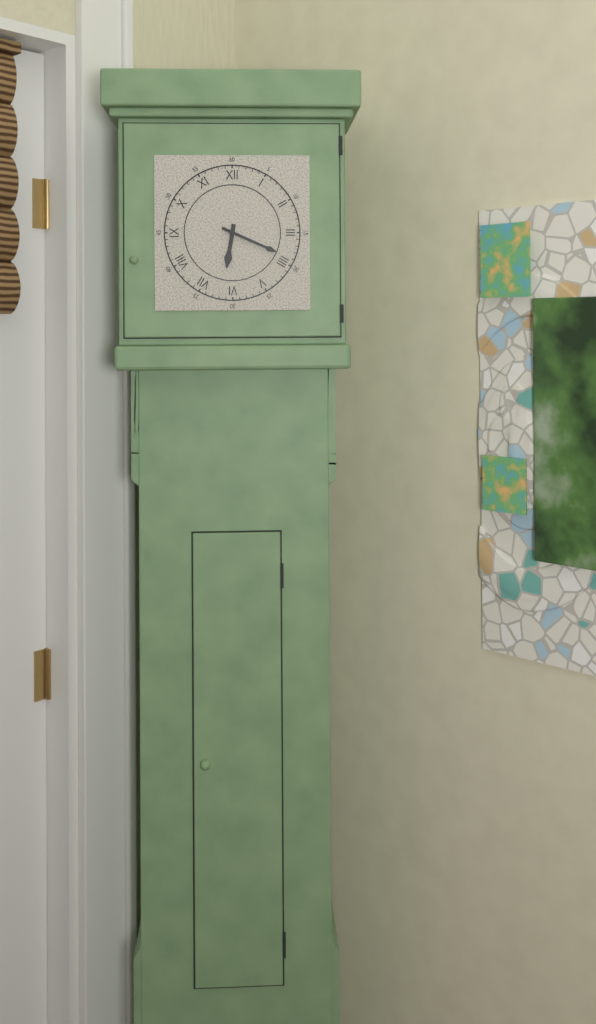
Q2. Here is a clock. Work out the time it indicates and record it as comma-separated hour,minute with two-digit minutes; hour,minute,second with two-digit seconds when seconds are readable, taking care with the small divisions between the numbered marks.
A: 6,19
